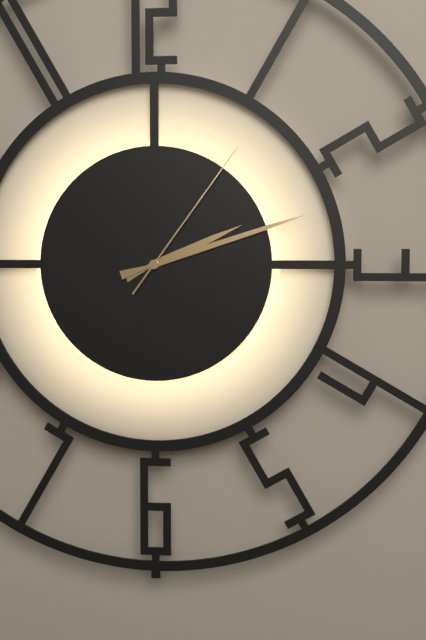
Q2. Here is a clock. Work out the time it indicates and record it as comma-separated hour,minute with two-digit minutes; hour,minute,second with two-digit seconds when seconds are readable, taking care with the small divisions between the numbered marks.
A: 2,12,06
